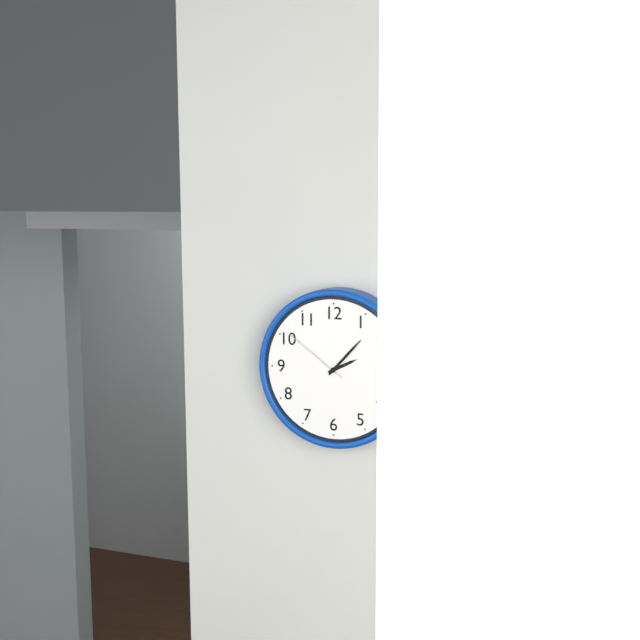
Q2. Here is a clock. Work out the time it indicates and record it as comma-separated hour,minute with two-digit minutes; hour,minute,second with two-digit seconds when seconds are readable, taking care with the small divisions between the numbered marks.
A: 2,07,51
